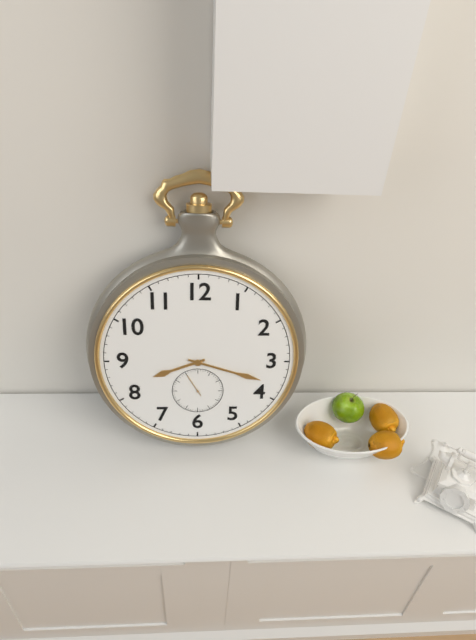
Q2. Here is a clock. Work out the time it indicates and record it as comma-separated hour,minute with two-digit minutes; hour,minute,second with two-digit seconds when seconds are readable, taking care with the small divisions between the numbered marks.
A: 8,18
